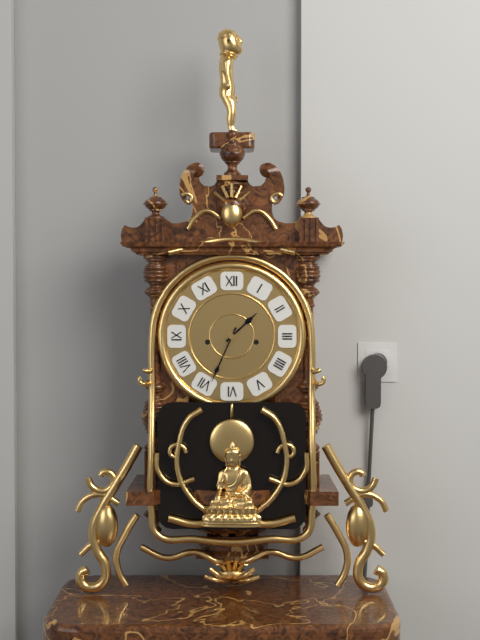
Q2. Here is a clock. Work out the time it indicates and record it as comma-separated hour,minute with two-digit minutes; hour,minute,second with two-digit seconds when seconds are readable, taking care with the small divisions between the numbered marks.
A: 1,34
